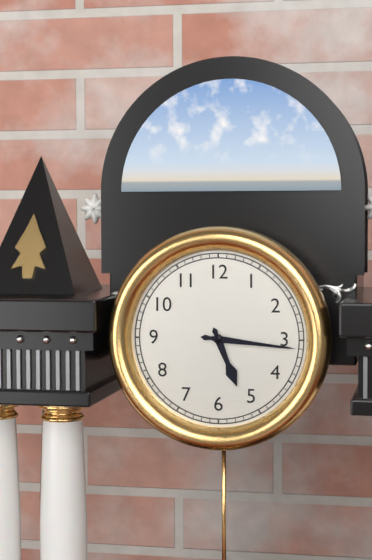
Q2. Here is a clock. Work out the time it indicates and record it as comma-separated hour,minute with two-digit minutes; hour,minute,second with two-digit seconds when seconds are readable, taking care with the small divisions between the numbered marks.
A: 5,16
